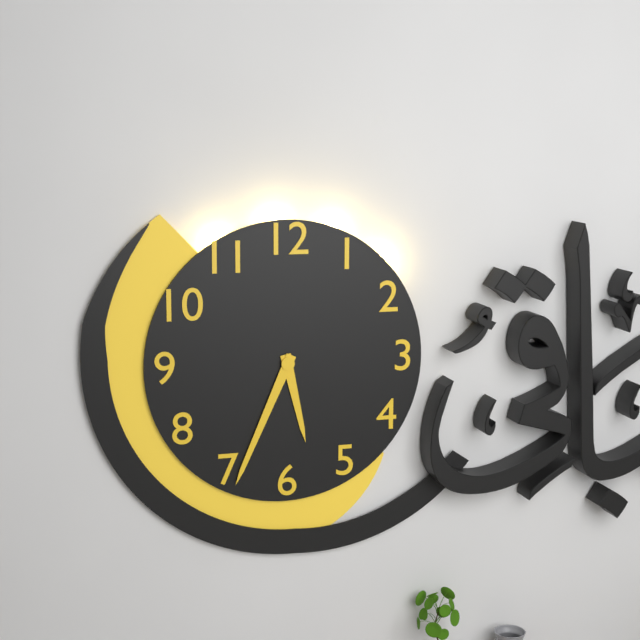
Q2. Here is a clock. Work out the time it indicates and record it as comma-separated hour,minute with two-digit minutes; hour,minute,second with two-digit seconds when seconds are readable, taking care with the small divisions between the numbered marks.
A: 5,34
